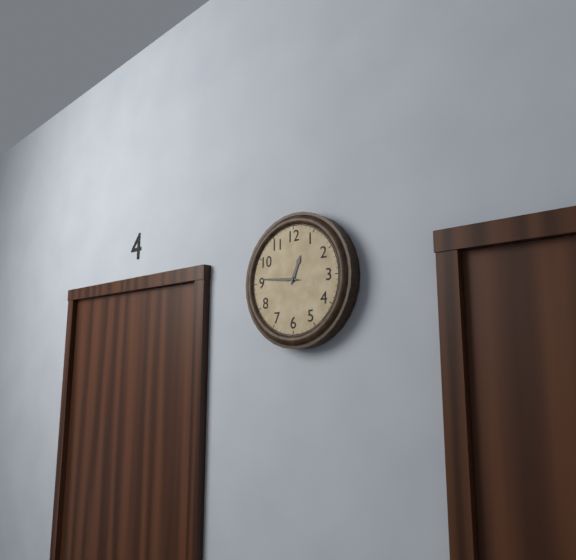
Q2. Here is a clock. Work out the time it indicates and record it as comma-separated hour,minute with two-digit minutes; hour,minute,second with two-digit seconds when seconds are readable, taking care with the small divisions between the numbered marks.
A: 12,46
